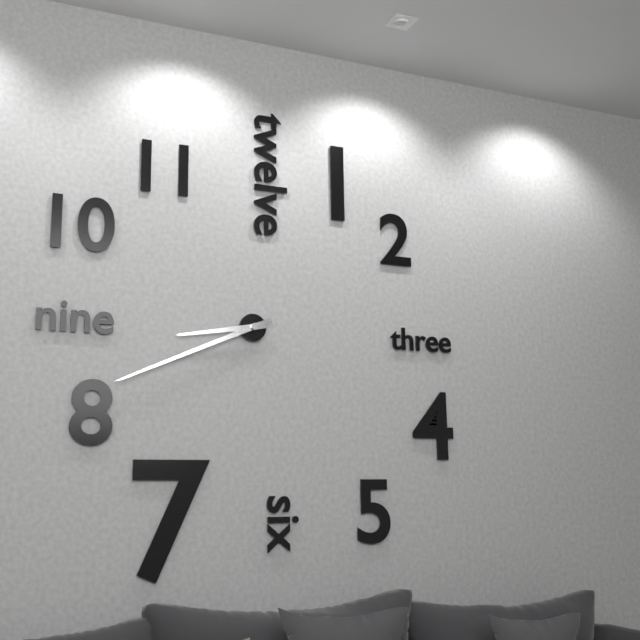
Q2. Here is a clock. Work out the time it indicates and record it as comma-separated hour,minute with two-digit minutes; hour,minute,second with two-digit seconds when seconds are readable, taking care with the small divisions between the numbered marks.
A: 8,41
